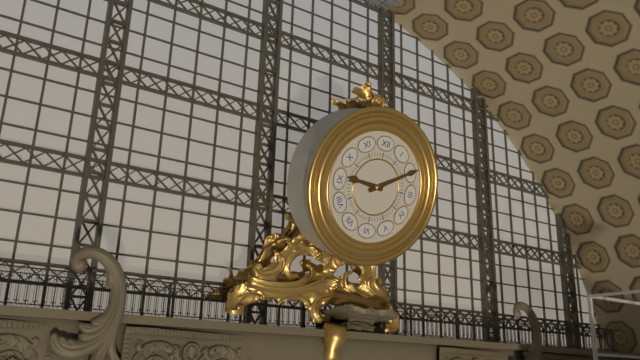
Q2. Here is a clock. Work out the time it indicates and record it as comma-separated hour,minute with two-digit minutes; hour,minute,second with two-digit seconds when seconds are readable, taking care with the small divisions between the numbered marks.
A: 9,10
